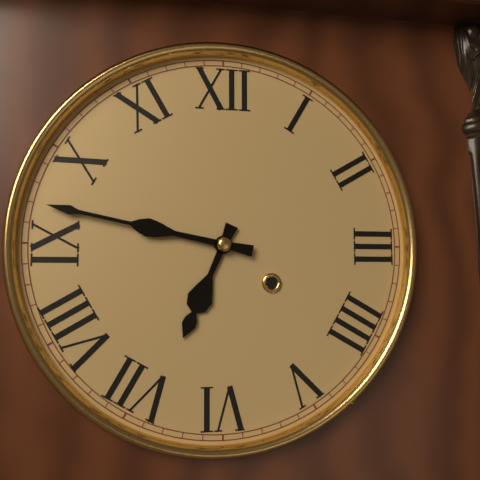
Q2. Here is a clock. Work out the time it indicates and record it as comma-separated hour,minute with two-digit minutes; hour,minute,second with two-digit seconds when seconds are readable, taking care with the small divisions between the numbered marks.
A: 6,47
